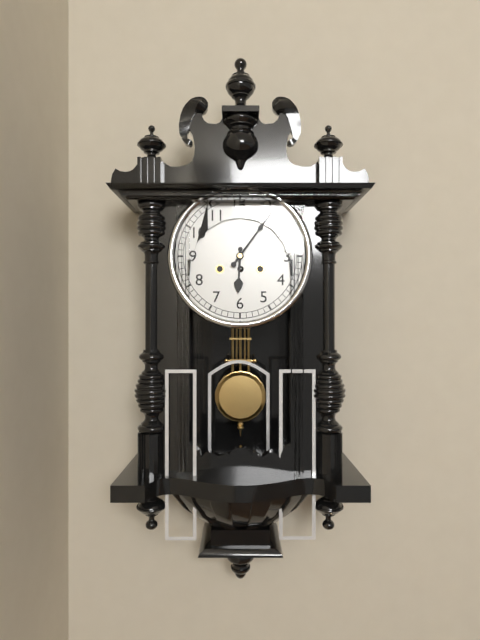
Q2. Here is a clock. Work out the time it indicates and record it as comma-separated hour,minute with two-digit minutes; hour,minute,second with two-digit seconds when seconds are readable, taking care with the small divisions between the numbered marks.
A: 6,06
